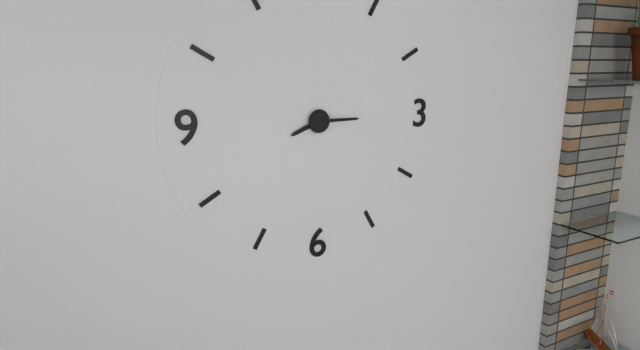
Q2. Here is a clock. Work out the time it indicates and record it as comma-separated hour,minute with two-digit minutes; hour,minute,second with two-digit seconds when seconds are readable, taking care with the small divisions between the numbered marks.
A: 8,15
